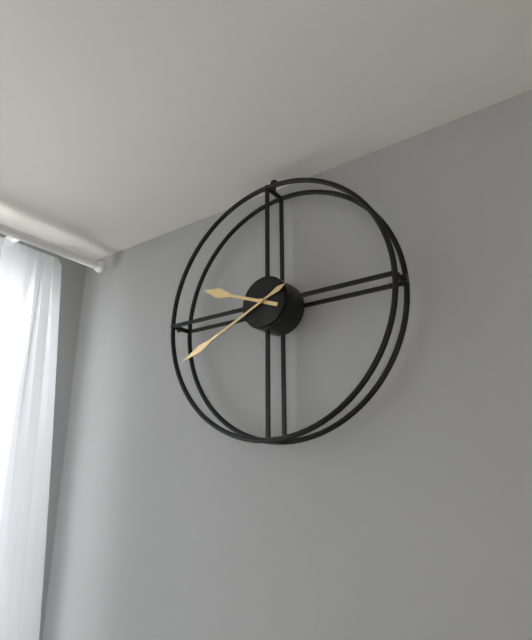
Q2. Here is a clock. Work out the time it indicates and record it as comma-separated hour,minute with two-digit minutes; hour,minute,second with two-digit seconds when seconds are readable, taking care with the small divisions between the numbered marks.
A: 9,41
